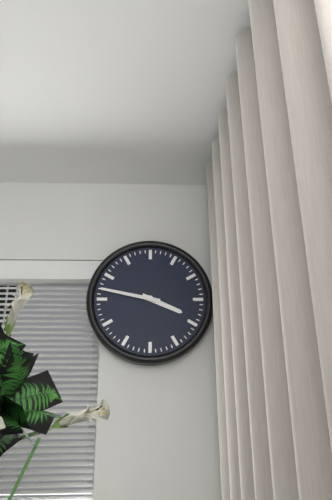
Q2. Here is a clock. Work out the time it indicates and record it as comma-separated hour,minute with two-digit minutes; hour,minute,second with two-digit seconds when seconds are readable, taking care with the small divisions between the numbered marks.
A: 3,47
